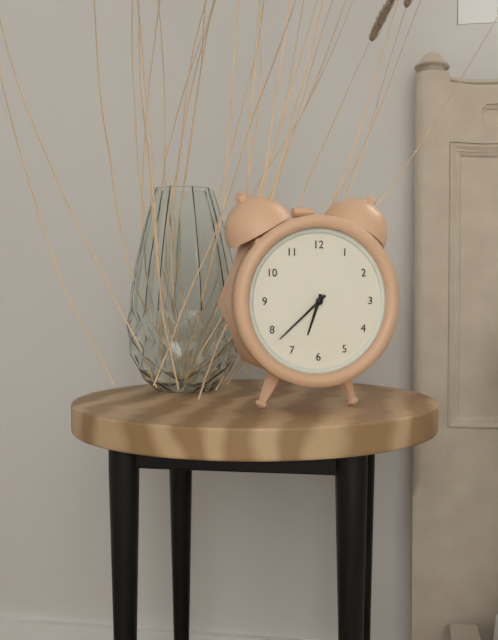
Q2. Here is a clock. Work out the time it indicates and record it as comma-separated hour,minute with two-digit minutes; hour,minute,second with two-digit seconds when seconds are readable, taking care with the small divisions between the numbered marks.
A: 6,38
